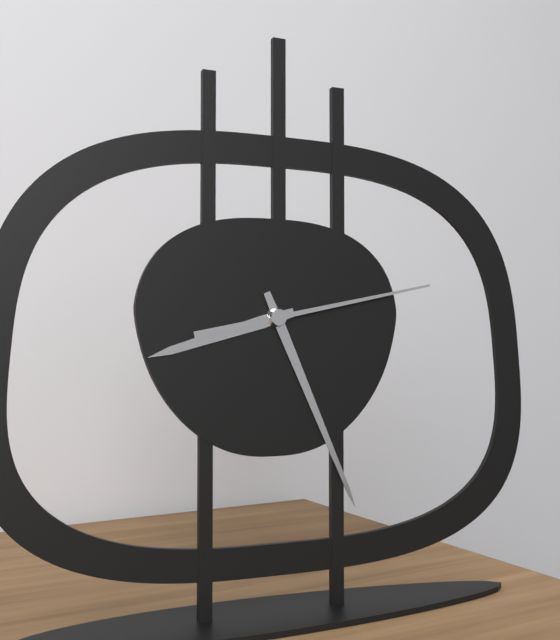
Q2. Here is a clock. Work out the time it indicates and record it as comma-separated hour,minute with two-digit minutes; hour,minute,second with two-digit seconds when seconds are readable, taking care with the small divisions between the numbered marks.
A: 8,26,13
